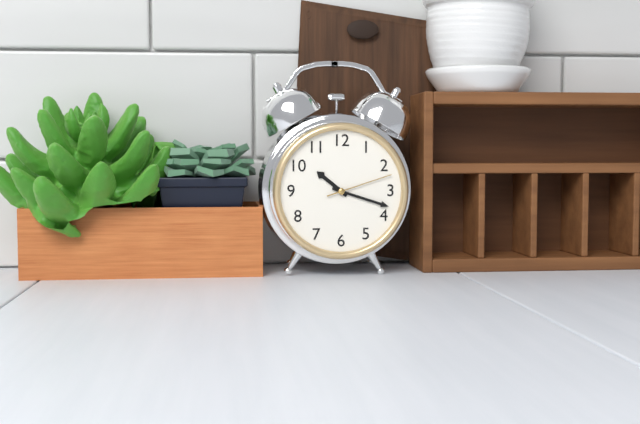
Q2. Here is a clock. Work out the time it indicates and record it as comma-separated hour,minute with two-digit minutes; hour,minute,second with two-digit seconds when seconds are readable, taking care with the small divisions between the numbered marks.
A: 10,18,12
